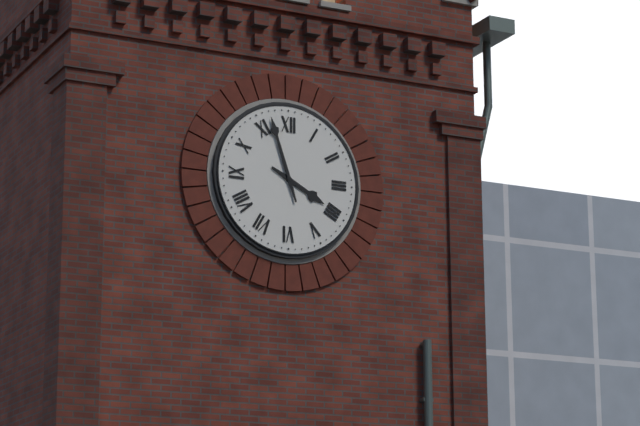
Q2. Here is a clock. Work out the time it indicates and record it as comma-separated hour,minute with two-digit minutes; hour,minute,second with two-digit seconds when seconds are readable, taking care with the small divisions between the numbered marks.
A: 3,57
